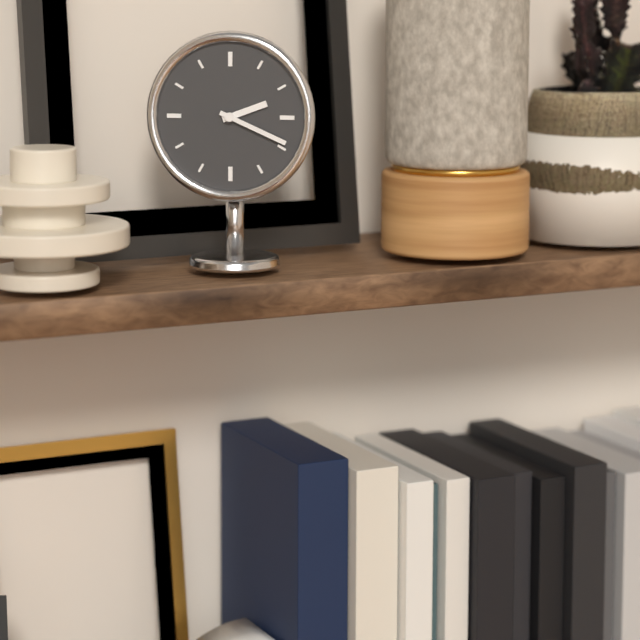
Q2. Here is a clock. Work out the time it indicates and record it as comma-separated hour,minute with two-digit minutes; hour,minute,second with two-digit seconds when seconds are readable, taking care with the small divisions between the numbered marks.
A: 2,19
